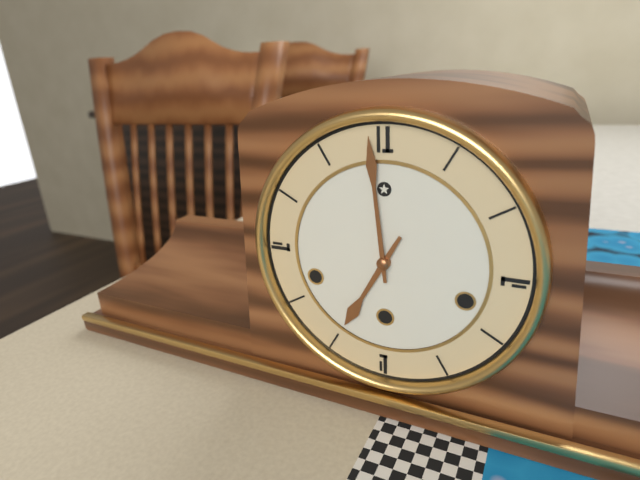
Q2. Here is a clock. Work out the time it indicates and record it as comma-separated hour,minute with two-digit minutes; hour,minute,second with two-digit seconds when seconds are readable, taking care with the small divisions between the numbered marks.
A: 6,59
